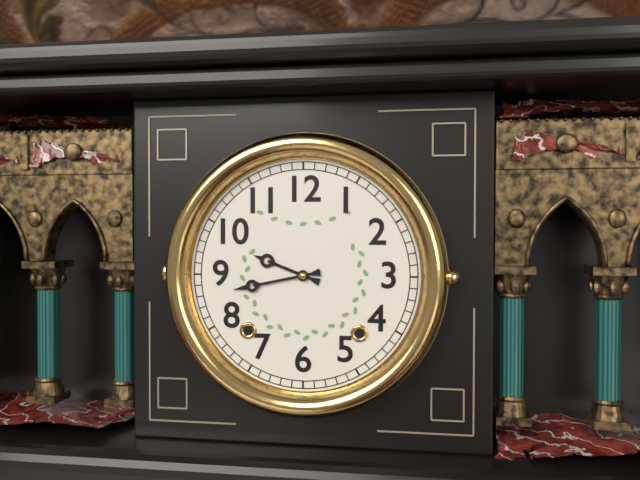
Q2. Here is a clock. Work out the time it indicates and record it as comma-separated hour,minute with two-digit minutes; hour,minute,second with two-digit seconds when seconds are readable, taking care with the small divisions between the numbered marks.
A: 9,43
